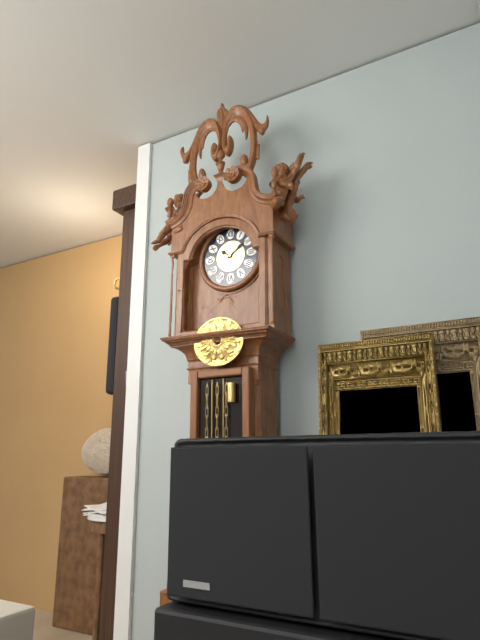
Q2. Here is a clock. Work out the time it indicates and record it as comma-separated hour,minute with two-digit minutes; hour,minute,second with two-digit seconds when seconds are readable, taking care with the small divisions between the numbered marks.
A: 10,09
